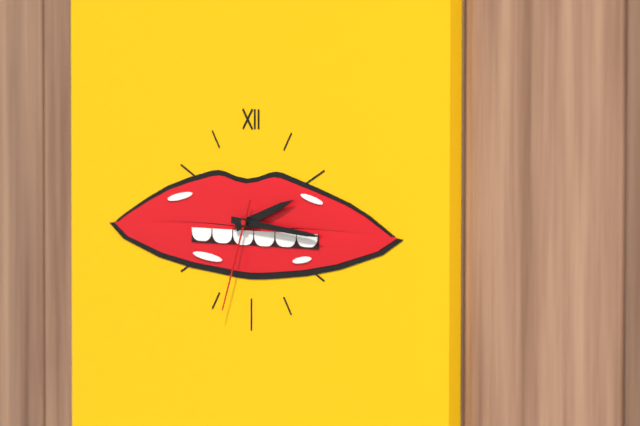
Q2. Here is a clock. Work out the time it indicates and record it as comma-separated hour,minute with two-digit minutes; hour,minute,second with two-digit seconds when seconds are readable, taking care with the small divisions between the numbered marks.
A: 2,16,33
